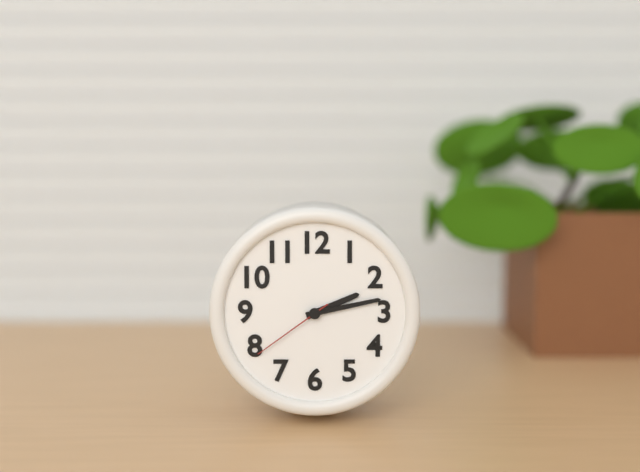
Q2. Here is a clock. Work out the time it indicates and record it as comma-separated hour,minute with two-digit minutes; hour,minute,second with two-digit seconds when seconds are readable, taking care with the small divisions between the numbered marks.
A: 2,13,39
